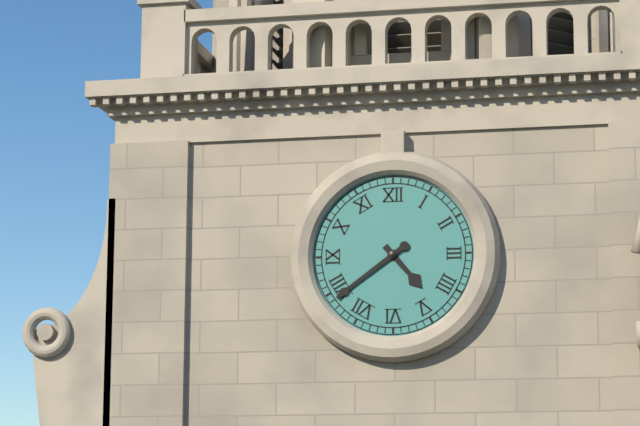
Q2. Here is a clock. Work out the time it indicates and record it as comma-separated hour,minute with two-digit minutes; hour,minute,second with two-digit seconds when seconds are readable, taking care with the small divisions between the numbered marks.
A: 4,39
